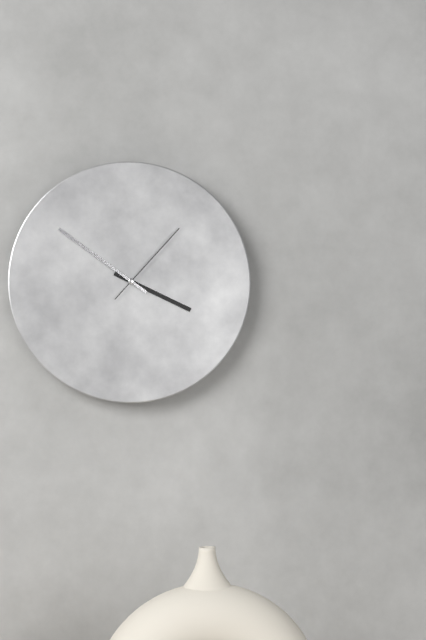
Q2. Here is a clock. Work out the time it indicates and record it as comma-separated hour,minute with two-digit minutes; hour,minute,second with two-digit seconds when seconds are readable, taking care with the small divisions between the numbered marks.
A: 3,51,07
